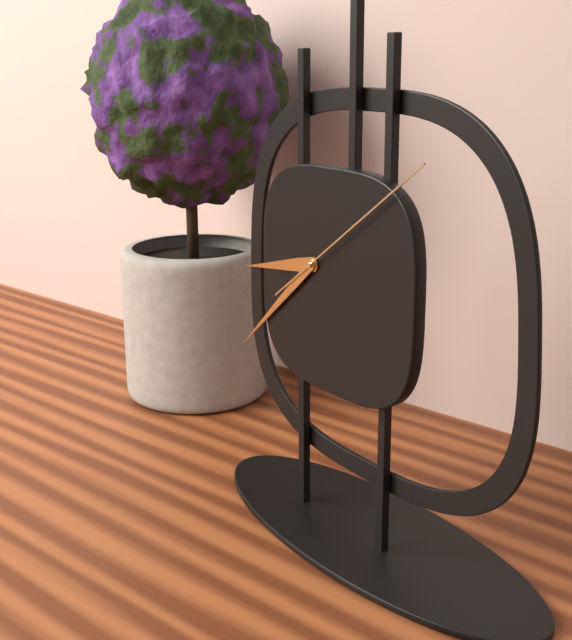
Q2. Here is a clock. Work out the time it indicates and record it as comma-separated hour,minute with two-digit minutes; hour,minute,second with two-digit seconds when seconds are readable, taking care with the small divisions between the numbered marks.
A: 8,38,09
